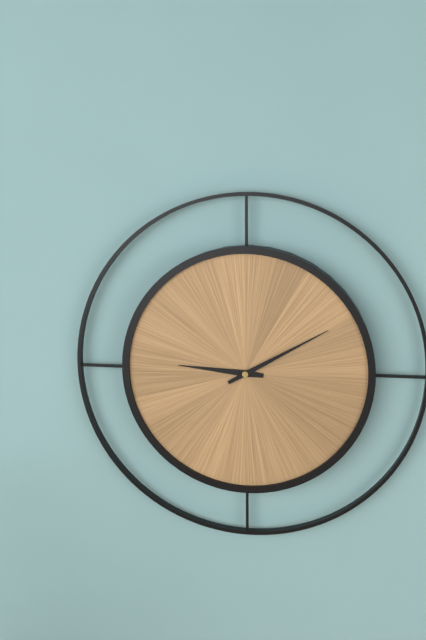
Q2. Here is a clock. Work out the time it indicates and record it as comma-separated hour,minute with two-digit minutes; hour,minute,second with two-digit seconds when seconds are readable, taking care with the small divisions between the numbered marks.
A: 9,10
